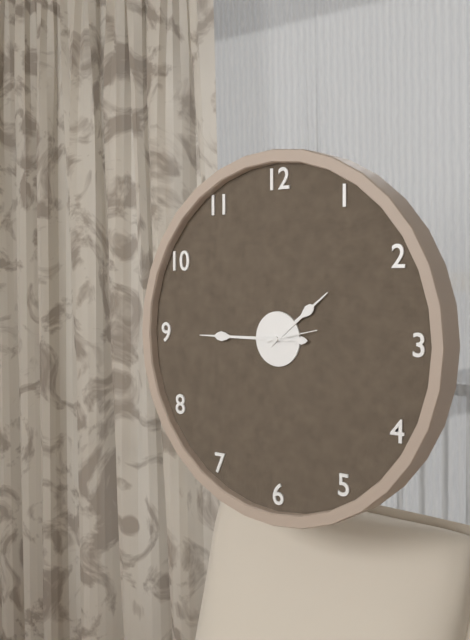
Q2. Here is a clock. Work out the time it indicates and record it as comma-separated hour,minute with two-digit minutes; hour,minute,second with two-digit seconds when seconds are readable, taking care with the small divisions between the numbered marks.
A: 1,45,13
